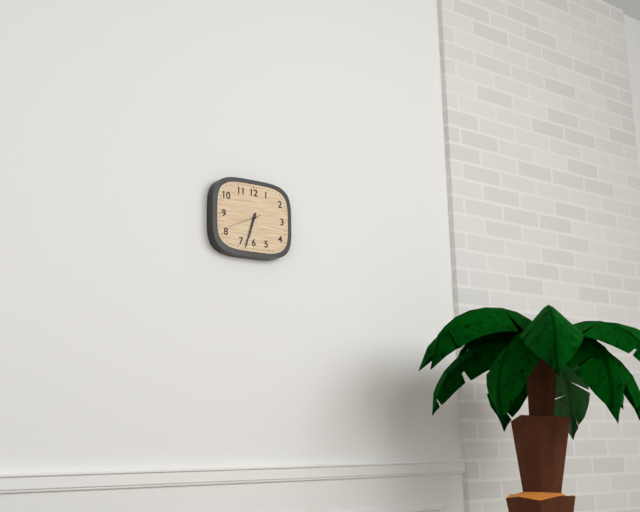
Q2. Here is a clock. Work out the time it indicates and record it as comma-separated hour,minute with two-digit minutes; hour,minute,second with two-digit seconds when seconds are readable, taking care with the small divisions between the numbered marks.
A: 6,33
